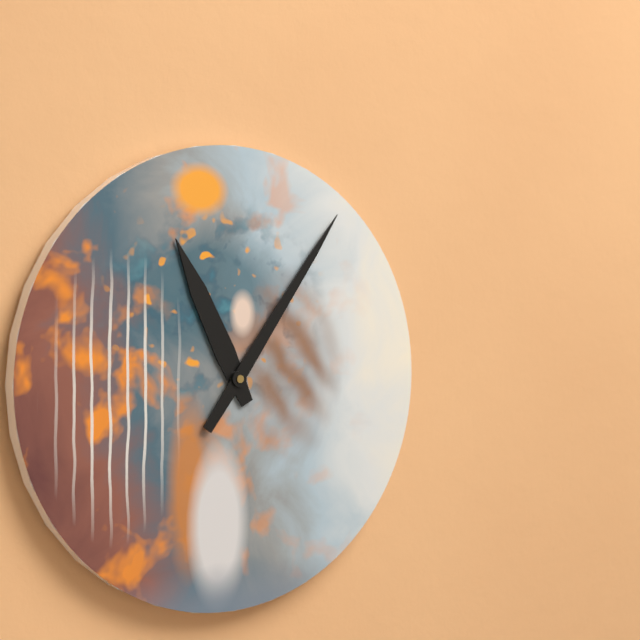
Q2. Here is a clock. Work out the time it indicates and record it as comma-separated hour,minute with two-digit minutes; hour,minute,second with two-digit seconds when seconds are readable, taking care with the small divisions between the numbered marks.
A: 11,06
